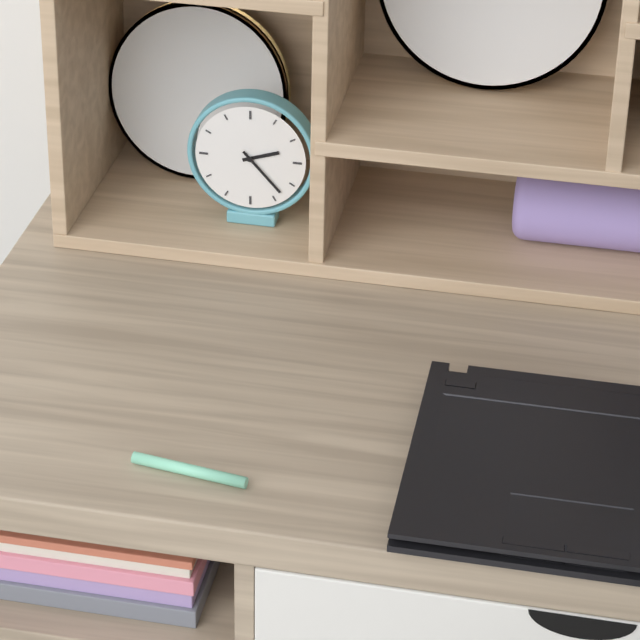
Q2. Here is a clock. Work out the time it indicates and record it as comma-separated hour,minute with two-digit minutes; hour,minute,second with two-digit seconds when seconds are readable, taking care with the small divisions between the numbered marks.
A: 2,23
